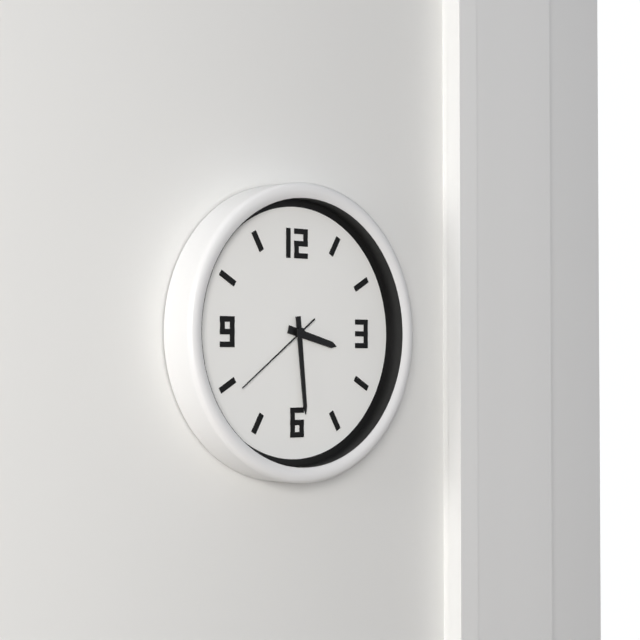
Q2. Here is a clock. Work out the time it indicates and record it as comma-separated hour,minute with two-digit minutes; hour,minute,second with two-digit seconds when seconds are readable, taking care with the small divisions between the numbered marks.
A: 3,29,39
